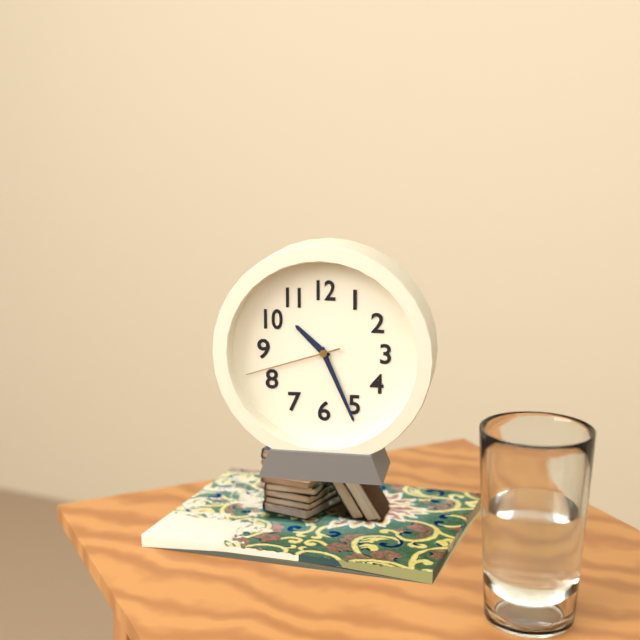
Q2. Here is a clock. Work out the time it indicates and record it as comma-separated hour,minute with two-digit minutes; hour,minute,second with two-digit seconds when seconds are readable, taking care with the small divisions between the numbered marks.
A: 10,26,42
